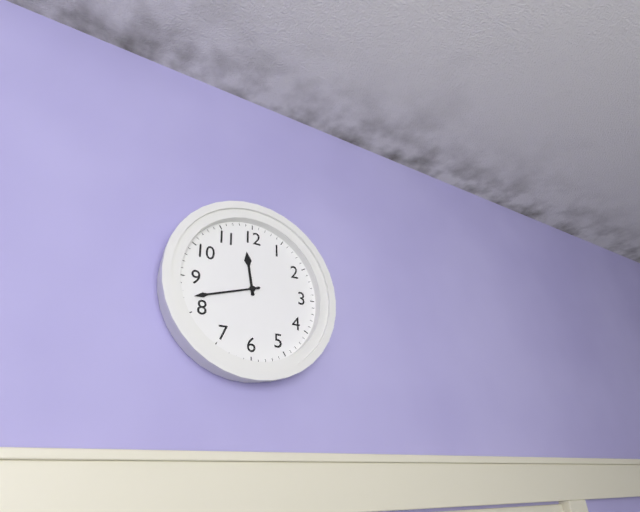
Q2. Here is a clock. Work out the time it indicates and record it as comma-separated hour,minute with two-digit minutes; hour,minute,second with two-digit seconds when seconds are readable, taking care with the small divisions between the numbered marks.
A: 11,42
